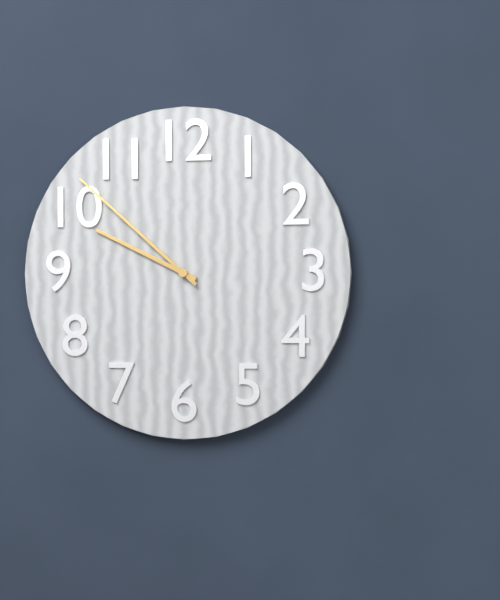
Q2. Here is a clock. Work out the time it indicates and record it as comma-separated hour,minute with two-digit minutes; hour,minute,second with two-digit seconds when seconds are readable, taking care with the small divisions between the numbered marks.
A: 9,52
